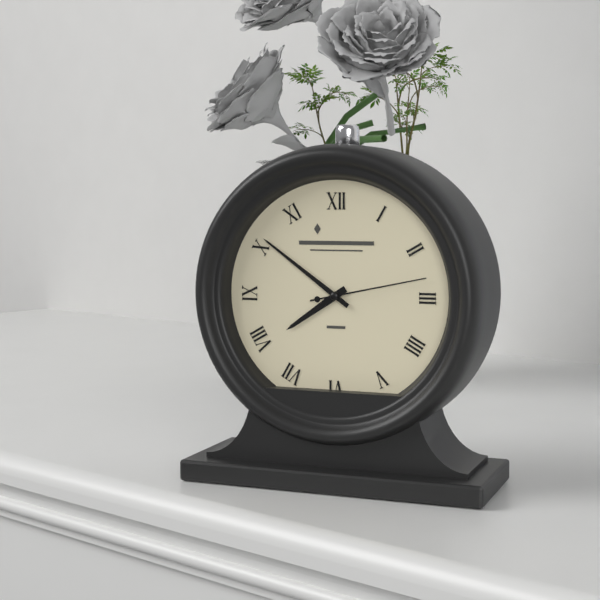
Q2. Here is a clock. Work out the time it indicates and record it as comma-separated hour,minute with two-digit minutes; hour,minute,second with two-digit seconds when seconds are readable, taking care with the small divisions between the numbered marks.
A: 7,51,13
